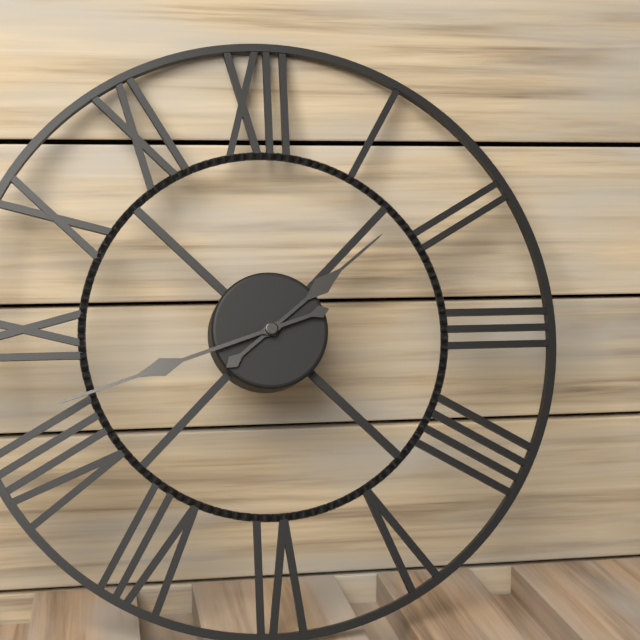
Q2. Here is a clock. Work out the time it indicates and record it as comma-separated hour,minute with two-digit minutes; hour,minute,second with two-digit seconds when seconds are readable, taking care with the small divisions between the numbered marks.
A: 1,42
